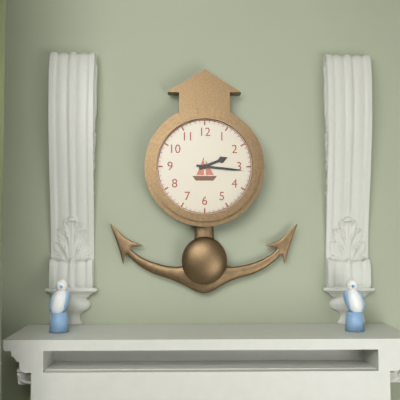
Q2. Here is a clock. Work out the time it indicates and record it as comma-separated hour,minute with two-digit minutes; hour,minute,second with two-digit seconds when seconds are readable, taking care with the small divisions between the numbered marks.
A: 2,16
